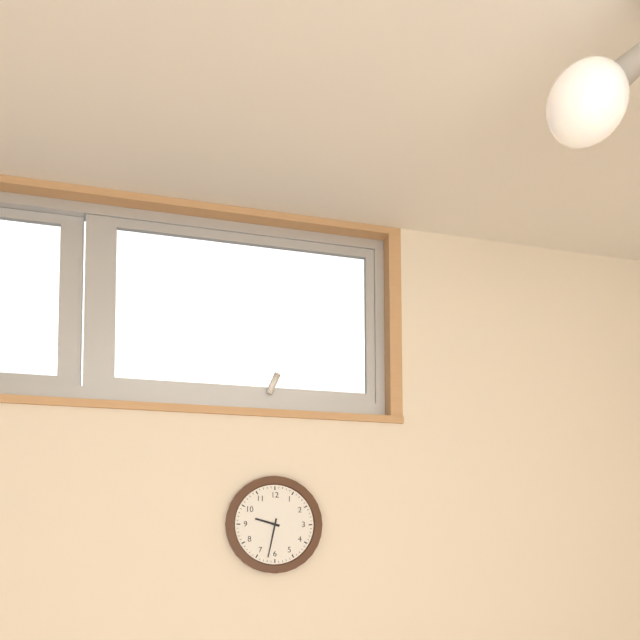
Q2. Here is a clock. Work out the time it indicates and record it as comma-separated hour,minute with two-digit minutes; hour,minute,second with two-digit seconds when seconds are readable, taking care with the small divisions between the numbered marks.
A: 9,32
